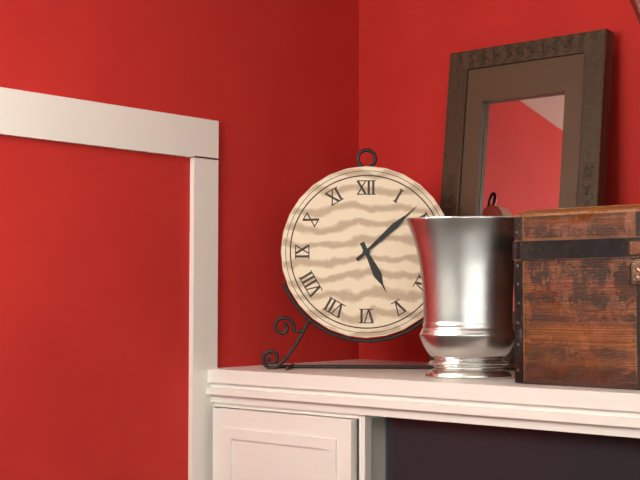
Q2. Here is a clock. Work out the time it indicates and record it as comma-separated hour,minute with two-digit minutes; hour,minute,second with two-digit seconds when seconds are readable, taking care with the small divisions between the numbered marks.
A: 5,08
